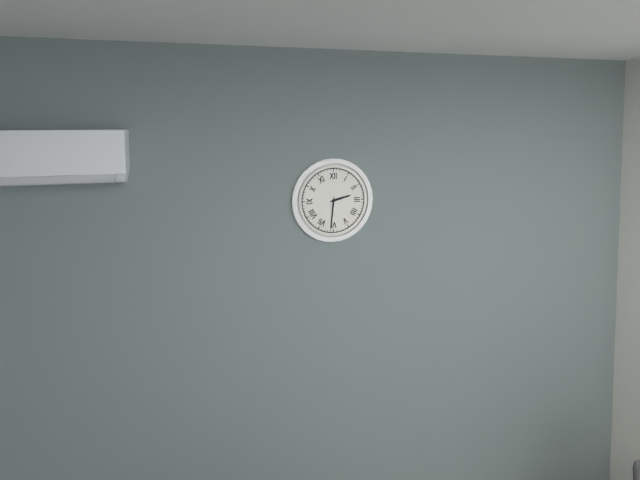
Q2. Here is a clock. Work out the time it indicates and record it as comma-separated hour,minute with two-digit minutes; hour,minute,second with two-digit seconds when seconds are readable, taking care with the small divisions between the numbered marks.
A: 2,31
